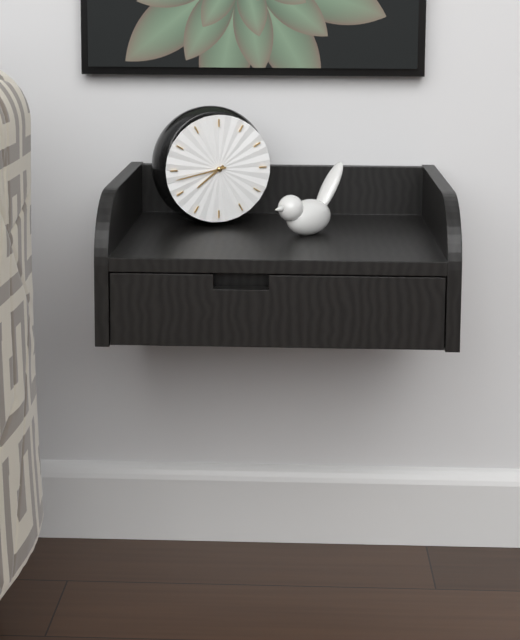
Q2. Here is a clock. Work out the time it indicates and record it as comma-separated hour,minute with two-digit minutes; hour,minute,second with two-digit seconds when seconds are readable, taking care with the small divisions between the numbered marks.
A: 7,43
